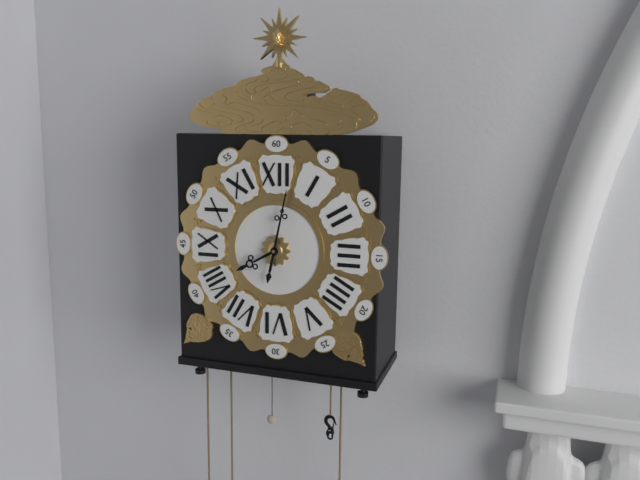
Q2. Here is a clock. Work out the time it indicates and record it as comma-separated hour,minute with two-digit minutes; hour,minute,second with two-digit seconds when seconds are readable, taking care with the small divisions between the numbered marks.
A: 8,02
